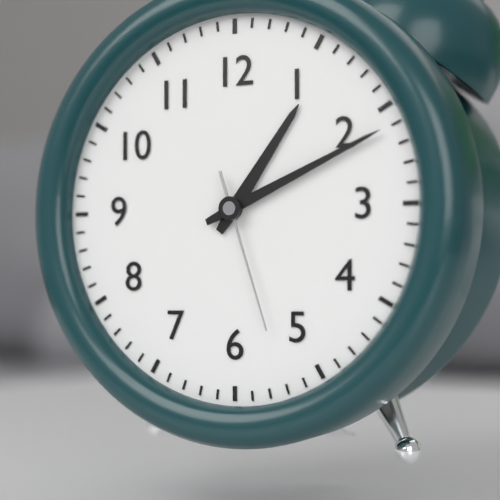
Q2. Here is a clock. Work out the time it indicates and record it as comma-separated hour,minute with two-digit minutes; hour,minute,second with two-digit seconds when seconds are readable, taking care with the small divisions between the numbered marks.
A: 1,11,27
